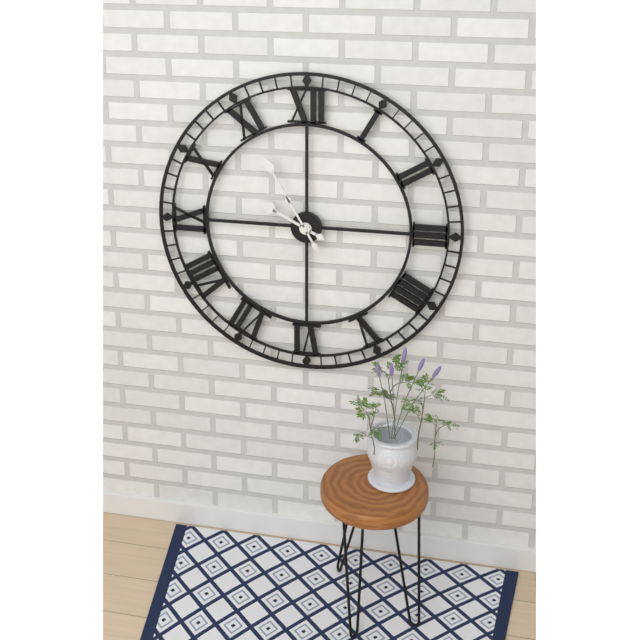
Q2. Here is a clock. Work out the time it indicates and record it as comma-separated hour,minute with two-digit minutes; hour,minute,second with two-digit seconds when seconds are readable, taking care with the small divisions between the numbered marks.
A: 9,55
